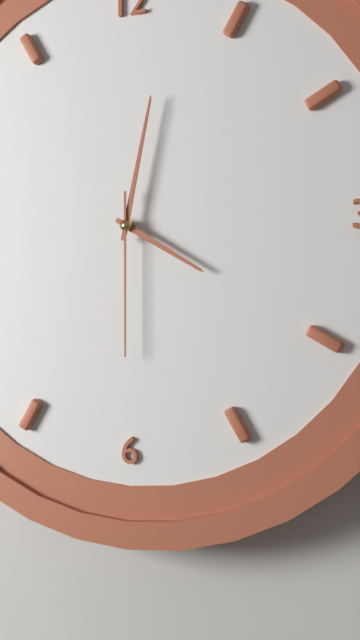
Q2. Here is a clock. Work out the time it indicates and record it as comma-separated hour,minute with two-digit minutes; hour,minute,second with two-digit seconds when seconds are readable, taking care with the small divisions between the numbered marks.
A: 4,02,30
